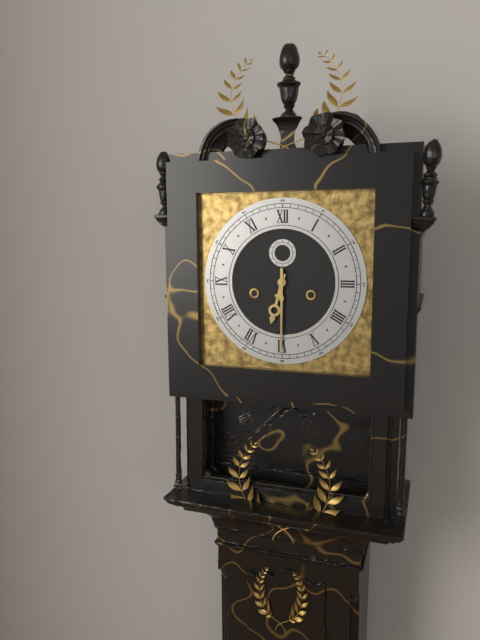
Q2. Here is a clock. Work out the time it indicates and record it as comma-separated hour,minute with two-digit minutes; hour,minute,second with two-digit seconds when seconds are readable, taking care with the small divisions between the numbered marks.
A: 6,30
